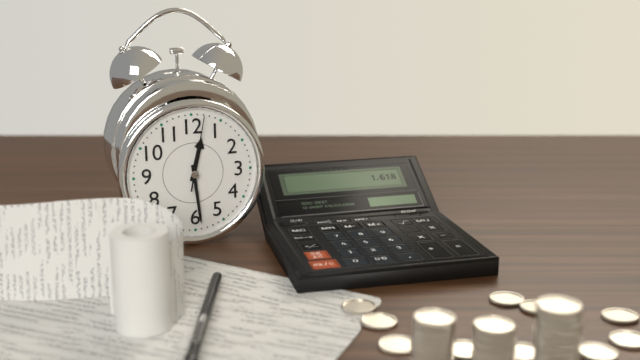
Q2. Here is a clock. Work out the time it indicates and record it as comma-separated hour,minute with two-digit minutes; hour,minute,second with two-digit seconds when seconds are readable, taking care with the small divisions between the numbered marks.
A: 12,29,02
